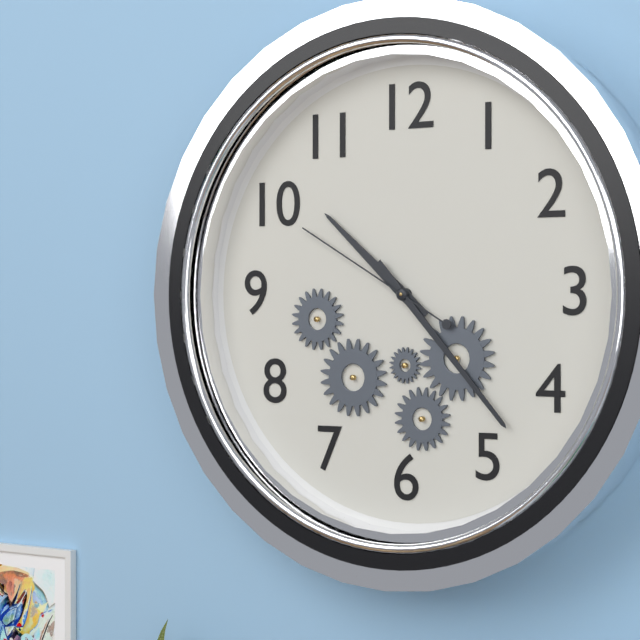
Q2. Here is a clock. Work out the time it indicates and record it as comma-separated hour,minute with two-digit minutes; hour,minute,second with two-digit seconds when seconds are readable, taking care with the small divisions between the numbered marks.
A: 10,23,50
